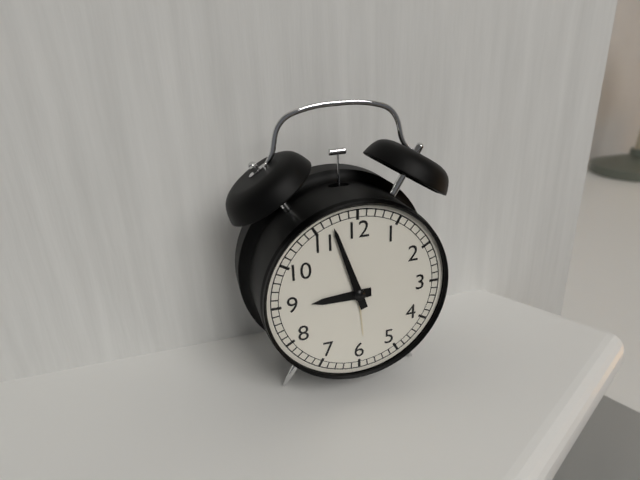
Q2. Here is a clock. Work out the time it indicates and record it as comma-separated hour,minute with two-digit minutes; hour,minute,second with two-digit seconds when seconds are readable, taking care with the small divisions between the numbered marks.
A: 8,57
